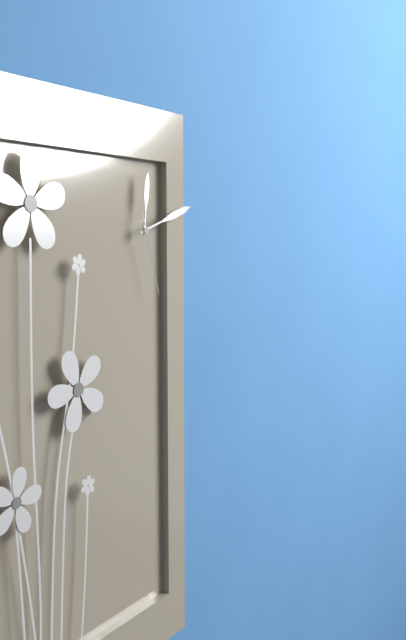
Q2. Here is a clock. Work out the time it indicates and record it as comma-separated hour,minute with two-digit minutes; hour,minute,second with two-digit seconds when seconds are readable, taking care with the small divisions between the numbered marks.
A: 12,12,27
